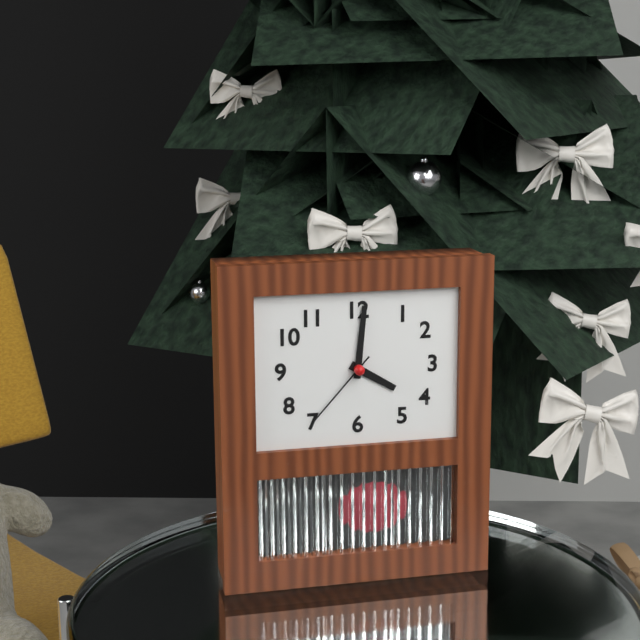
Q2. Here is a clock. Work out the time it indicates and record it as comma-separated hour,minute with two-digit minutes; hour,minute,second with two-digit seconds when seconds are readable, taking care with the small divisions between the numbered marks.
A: 4,01,37
